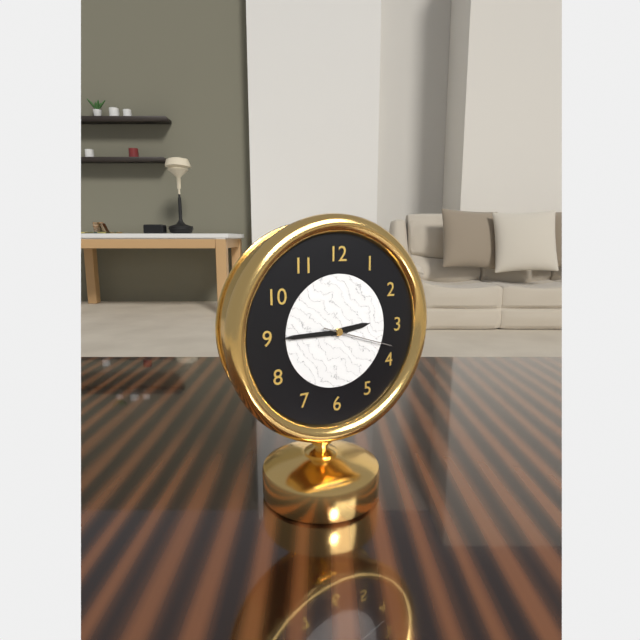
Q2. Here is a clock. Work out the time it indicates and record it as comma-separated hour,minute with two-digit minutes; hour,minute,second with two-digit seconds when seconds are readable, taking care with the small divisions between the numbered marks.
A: 2,45,18
